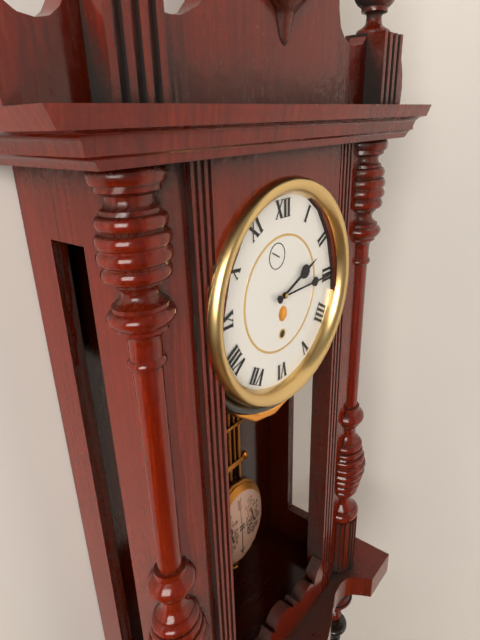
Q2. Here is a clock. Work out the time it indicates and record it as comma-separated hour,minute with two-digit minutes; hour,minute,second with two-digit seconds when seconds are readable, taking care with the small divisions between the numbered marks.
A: 2,15
